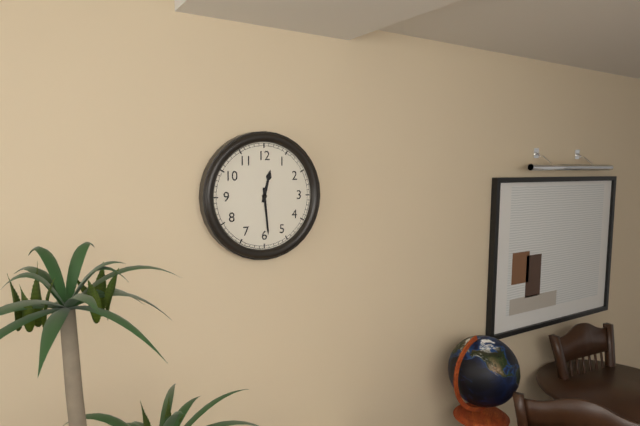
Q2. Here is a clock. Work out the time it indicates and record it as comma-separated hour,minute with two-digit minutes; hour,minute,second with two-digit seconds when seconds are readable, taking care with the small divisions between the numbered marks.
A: 12,29
